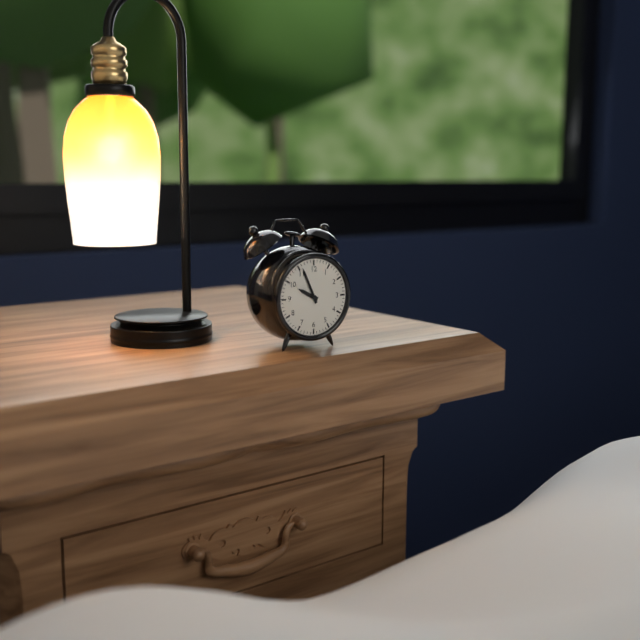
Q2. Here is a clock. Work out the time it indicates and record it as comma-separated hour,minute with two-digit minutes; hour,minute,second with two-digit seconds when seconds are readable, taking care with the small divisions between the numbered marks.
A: 9,56
